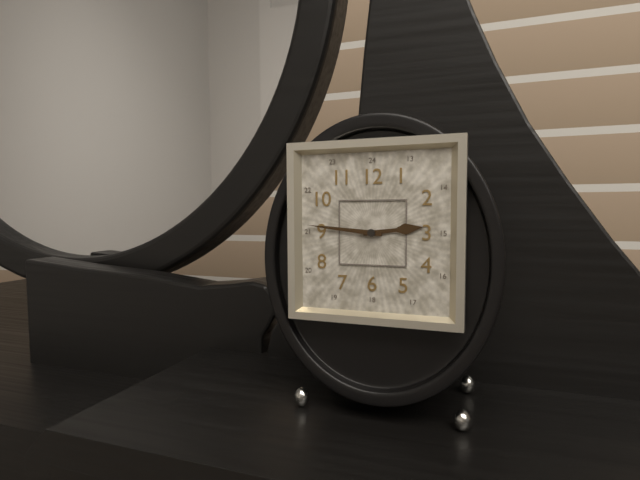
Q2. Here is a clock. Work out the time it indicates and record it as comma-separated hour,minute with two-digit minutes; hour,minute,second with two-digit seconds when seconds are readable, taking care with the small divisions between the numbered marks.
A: 2,46
